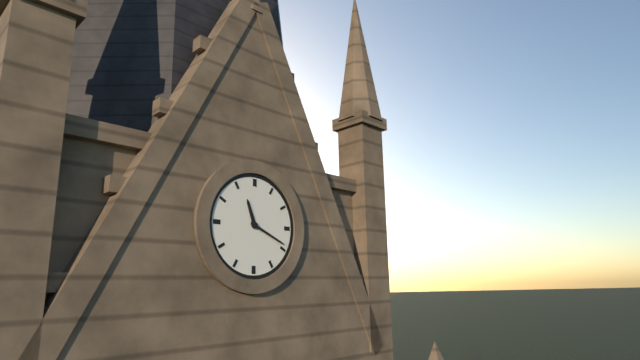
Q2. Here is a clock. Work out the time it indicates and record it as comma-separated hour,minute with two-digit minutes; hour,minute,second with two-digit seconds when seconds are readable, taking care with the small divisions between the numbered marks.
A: 11,19
